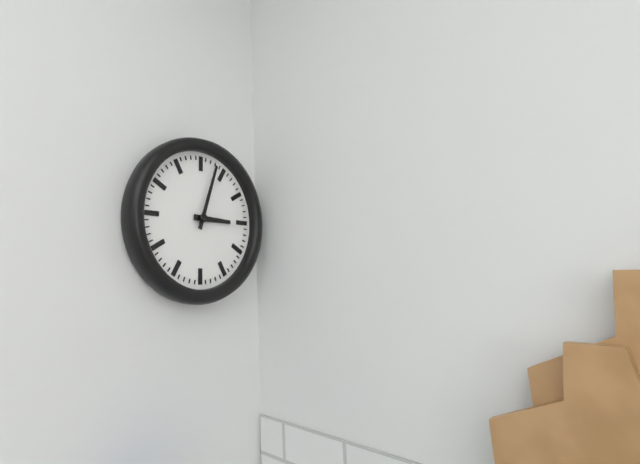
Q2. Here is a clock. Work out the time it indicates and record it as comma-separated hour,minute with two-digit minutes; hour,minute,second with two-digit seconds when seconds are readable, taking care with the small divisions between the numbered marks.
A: 3,03
